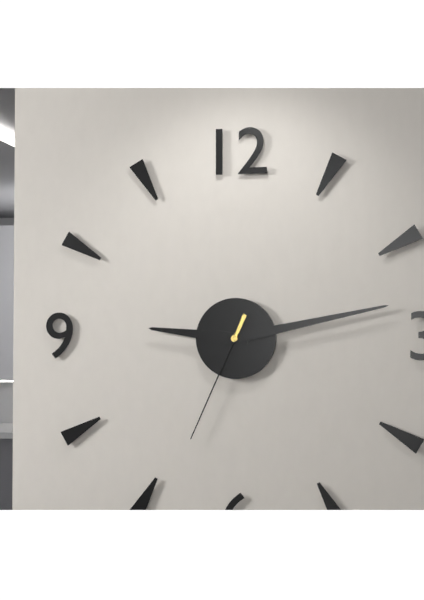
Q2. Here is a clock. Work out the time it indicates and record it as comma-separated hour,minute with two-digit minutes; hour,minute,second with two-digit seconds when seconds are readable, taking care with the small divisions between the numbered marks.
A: 9,13,34
